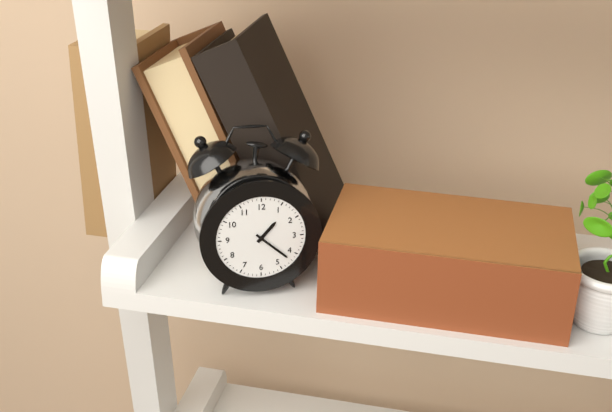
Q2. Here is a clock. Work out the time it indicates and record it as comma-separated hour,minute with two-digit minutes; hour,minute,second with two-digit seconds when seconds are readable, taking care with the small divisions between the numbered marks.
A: 1,22
